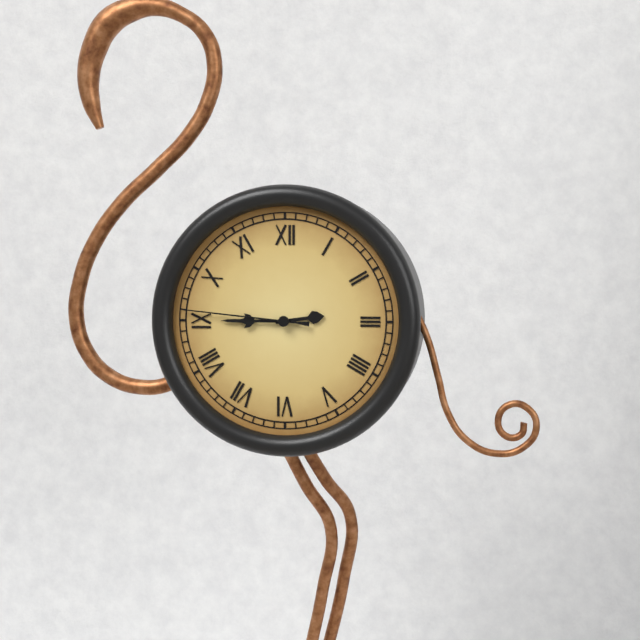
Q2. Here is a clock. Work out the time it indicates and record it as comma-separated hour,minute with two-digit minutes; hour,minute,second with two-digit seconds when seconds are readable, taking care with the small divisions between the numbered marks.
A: 2,45,46
